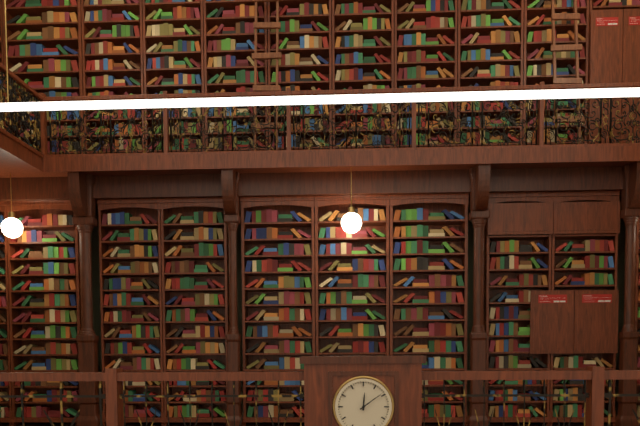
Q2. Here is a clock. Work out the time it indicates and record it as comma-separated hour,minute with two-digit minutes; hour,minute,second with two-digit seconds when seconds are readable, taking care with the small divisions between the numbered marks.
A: 12,09
